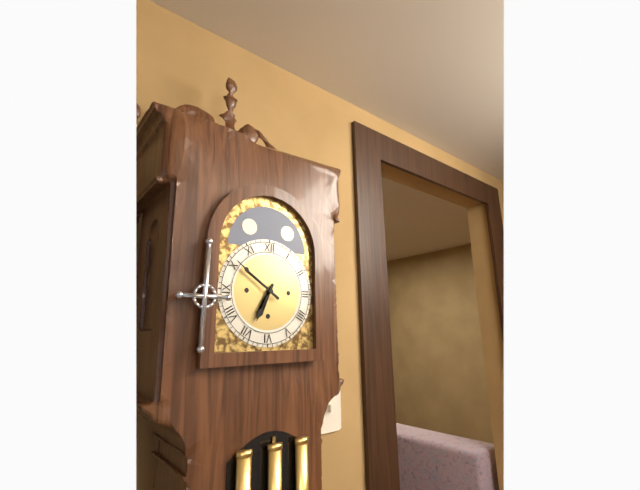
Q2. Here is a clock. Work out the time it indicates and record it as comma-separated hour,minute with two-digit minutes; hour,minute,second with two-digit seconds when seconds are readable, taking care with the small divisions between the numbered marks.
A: 6,51
